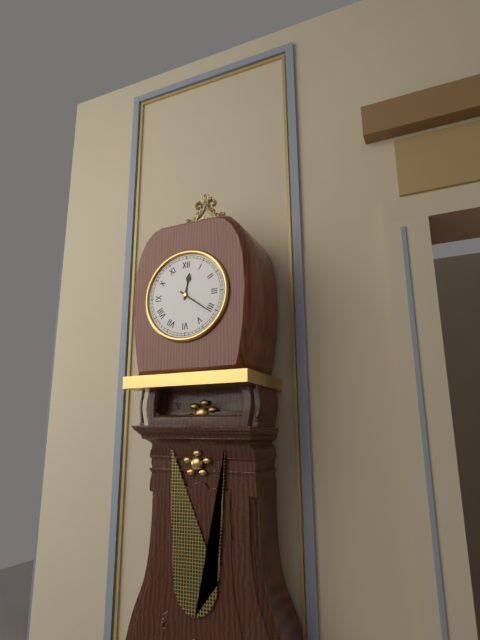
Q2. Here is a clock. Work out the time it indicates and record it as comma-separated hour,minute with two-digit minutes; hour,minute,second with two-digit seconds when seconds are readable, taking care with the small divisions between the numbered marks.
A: 12,21
